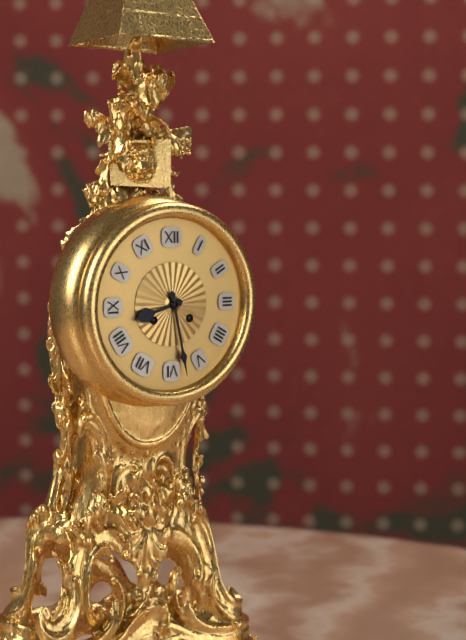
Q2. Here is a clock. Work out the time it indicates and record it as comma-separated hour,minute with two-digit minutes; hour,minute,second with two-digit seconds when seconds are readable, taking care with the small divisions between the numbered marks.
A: 8,28
